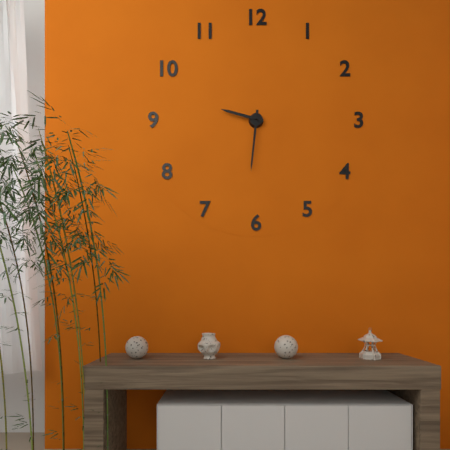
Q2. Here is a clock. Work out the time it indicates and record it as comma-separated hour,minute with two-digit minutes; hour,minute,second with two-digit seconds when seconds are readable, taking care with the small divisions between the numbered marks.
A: 9,31
